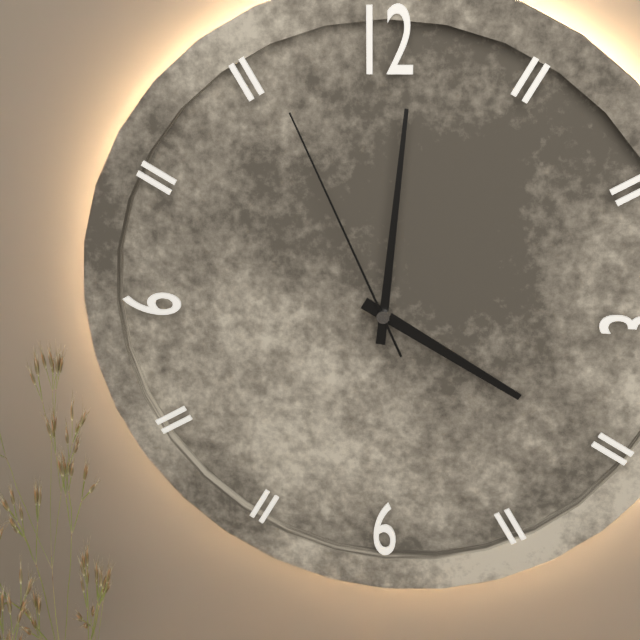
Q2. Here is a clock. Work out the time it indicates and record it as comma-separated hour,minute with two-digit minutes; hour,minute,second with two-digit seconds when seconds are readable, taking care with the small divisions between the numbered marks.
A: 4,01,56
